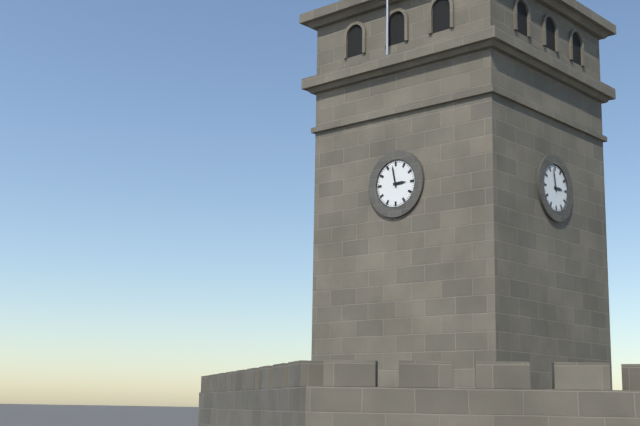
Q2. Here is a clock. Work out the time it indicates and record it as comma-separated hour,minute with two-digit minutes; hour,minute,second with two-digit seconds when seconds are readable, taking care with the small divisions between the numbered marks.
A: 2,58
